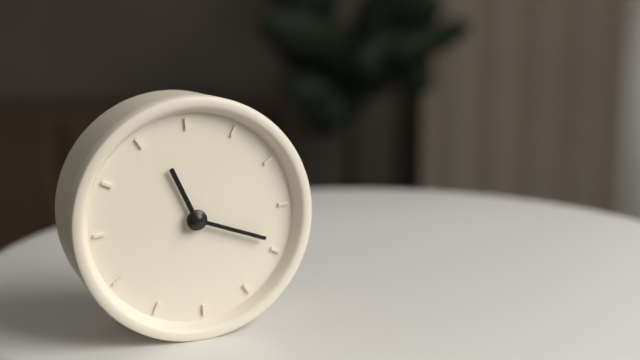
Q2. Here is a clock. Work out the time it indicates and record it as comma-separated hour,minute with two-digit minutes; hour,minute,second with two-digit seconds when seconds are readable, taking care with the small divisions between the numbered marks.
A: 11,19
